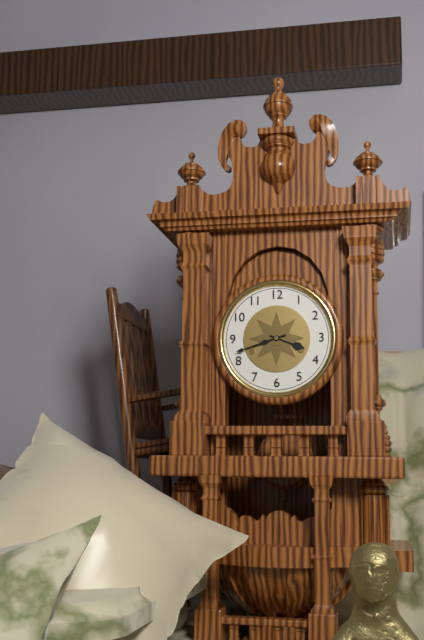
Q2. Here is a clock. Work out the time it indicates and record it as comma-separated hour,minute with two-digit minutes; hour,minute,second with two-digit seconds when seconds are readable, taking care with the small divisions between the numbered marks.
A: 3,42
